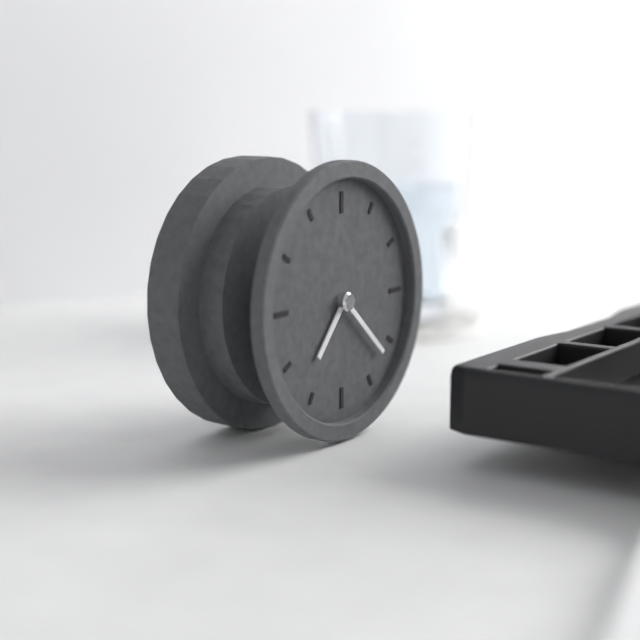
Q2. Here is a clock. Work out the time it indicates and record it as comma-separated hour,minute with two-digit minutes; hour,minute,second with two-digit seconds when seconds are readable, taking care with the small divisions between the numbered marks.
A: 7,22
